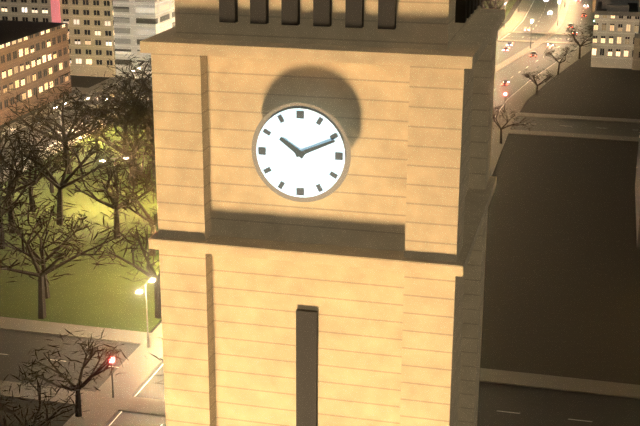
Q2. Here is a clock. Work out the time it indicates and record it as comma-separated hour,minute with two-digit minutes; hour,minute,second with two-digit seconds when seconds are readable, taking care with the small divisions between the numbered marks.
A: 10,11
